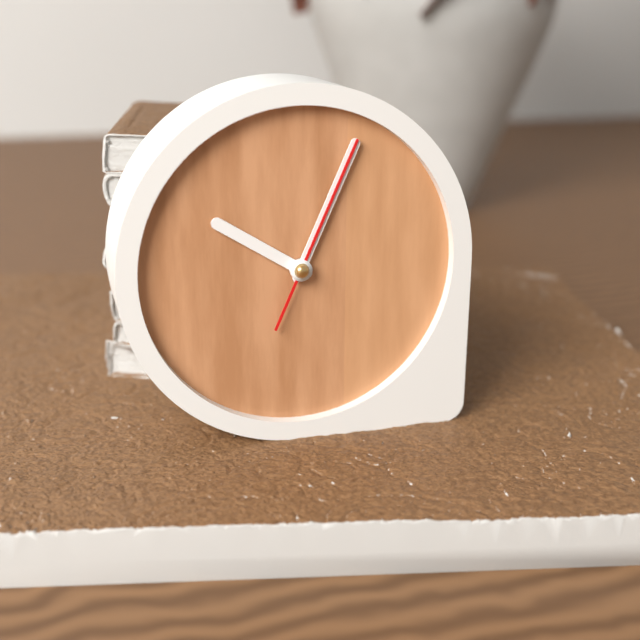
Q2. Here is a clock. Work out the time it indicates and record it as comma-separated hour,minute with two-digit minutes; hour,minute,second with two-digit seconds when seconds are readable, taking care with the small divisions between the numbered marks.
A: 10,04,04
